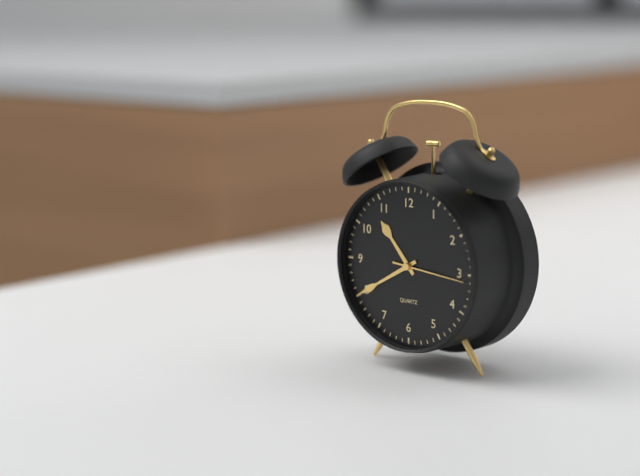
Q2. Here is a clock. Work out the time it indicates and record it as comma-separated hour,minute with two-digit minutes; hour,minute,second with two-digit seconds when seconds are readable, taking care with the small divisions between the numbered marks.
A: 10,40,16
